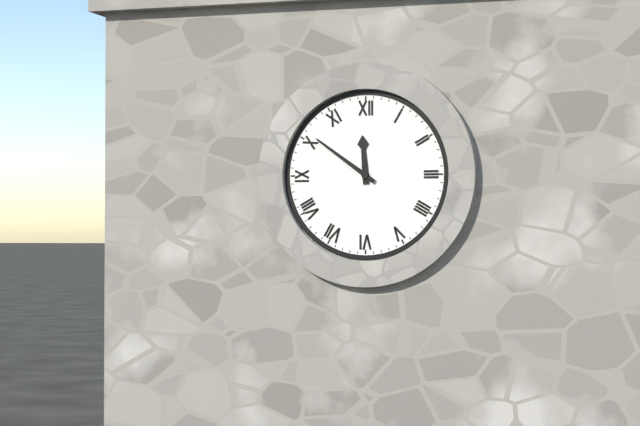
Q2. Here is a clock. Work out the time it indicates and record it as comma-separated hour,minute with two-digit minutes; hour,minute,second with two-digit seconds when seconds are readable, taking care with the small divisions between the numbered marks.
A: 11,51
